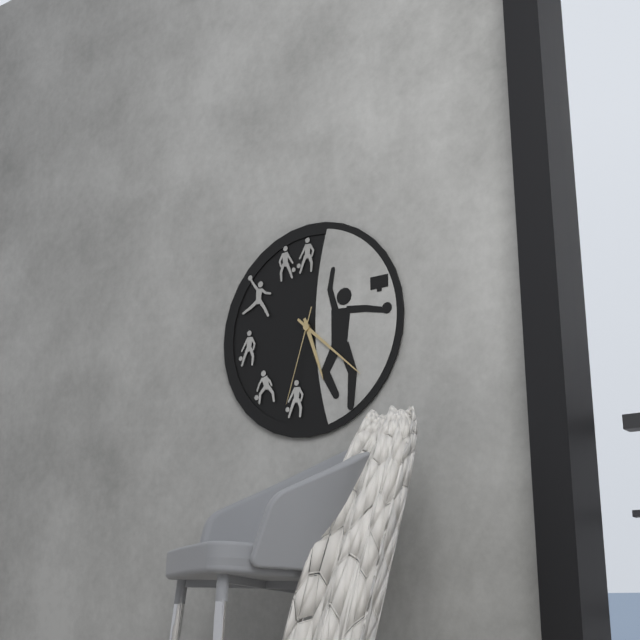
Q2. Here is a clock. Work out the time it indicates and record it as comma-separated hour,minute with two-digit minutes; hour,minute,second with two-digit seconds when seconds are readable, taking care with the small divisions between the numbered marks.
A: 5,22,33
